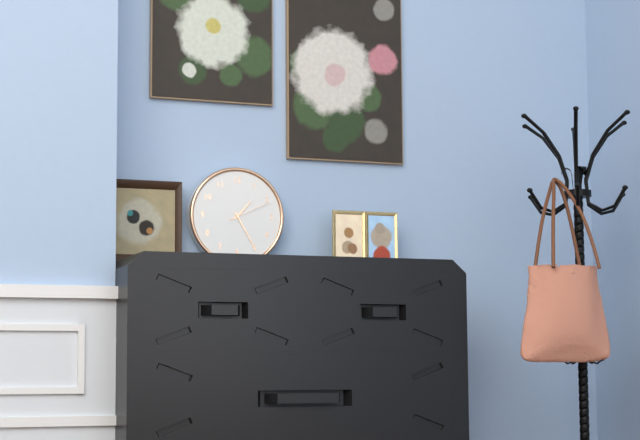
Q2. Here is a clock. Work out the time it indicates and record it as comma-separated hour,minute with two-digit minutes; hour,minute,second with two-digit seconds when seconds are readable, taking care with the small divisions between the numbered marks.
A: 1,25
